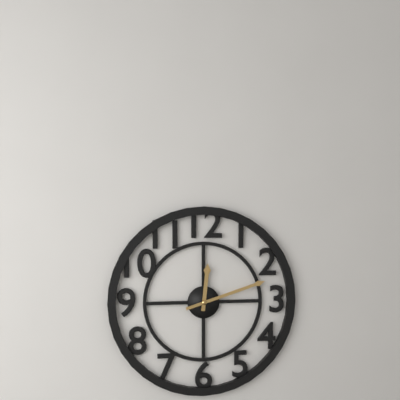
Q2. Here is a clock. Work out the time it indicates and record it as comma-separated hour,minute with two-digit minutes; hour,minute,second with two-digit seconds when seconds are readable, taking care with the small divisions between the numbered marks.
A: 12,12
